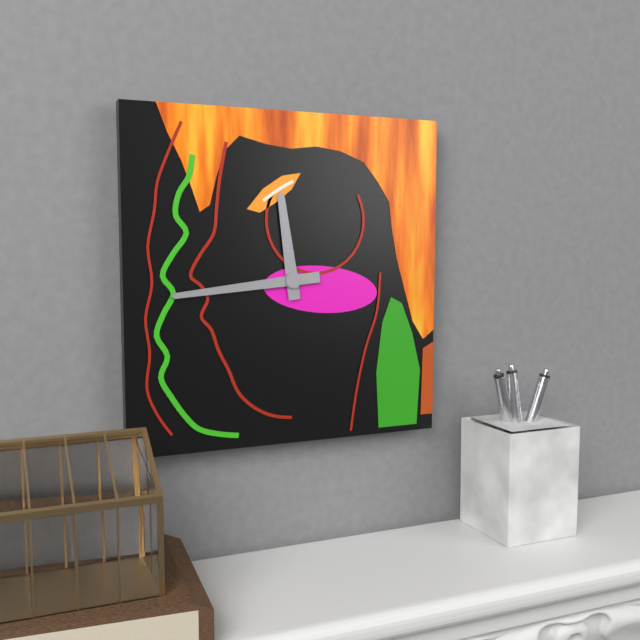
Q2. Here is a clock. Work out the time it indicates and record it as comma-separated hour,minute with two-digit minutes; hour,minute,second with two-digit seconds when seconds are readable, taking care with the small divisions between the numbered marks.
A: 11,44
